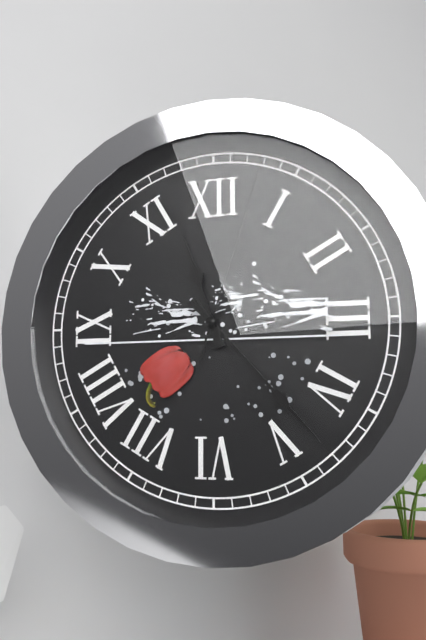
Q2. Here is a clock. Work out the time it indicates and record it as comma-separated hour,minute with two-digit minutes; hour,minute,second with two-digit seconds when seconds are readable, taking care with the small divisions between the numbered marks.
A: 11,23,03
